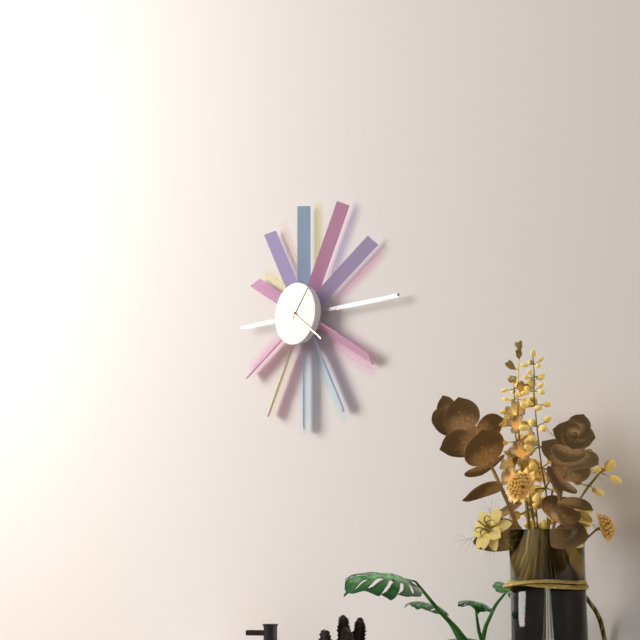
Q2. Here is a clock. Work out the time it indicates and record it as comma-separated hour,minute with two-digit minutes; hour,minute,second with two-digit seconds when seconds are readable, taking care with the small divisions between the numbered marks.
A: 1,21
